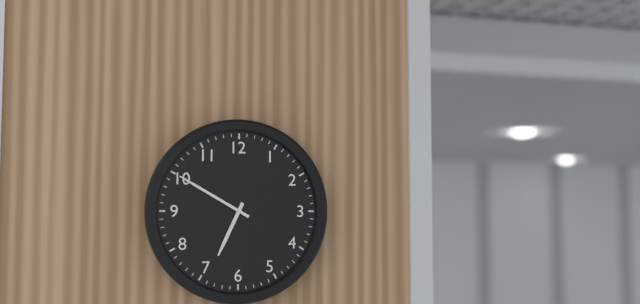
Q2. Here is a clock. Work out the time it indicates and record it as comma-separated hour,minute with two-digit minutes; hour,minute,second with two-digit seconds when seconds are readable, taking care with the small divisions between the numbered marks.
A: 6,50
